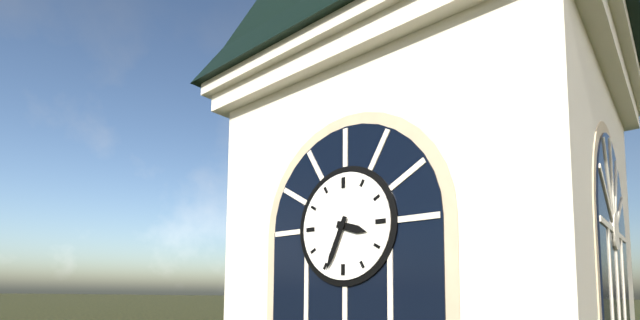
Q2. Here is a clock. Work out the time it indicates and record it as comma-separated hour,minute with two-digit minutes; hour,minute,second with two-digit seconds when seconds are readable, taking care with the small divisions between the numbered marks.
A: 3,34
